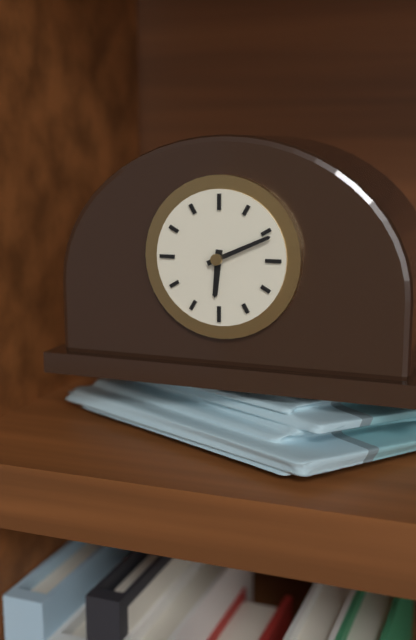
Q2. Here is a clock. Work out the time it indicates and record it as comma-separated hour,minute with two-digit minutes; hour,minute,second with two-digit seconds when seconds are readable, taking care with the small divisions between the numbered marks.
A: 6,11
